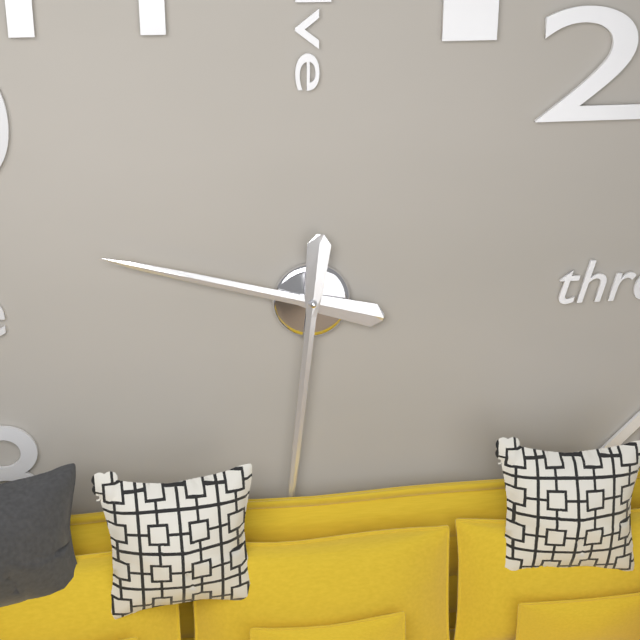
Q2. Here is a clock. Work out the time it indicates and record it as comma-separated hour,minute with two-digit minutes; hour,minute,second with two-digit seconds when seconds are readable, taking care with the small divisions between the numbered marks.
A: 9,31
